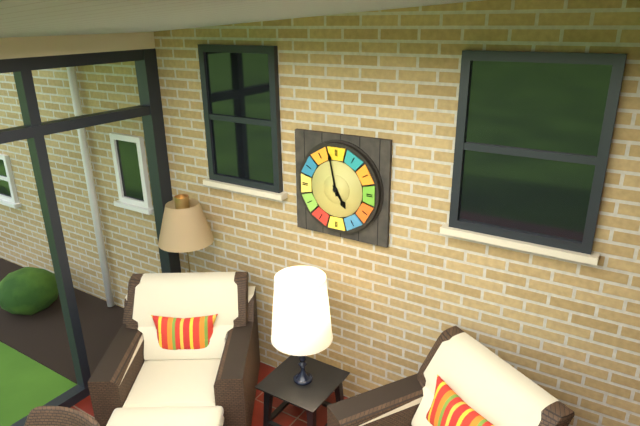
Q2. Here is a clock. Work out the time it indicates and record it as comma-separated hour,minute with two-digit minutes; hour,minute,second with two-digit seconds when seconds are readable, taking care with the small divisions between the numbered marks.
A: 4,58
